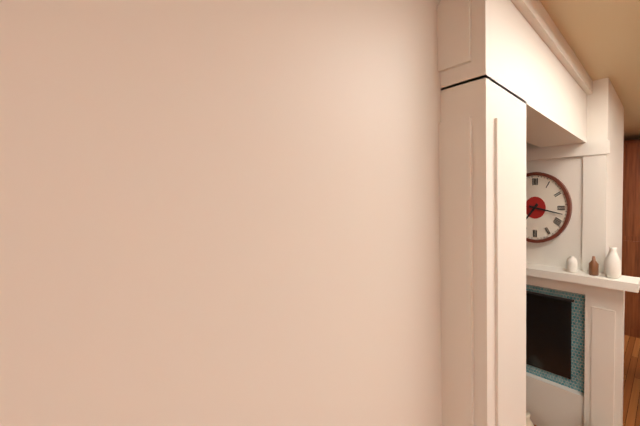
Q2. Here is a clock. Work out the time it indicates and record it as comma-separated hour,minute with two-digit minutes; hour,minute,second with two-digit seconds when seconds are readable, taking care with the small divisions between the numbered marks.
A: 7,17
